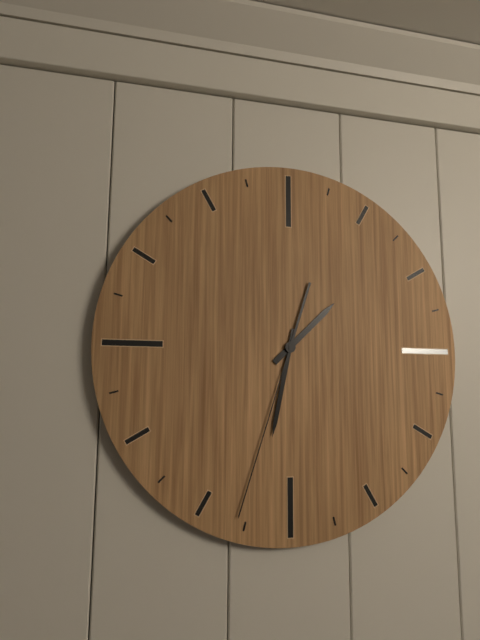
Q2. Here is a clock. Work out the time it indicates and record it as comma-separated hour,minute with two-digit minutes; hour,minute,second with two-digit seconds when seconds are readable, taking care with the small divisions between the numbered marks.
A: 1,32,33
